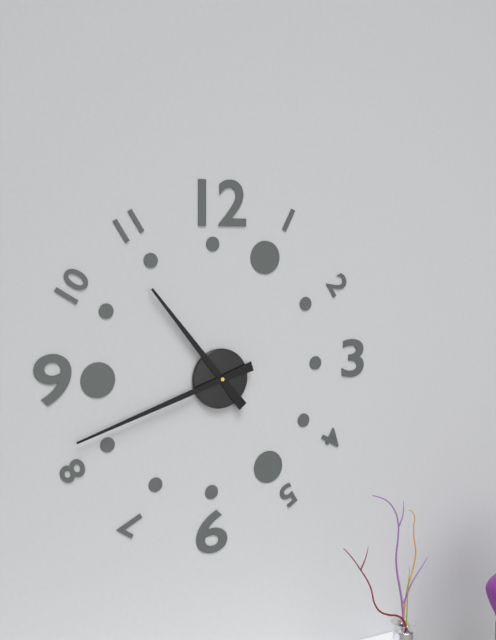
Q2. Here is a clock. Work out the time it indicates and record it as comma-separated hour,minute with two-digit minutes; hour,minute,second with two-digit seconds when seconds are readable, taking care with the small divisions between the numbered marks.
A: 10,42
